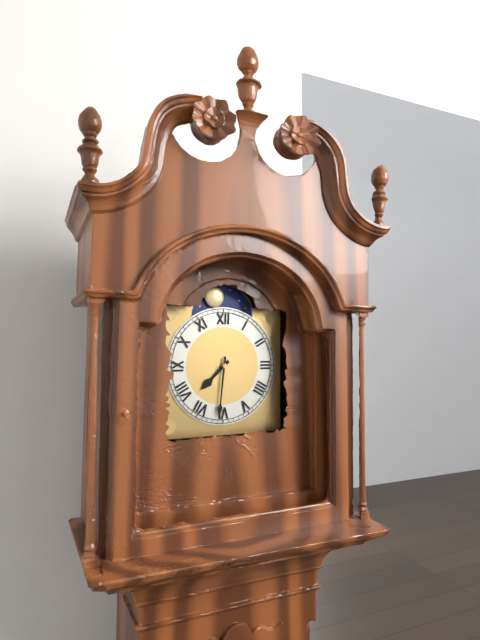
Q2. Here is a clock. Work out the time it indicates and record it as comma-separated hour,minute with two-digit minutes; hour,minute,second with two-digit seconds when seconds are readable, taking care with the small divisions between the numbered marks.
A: 7,31
